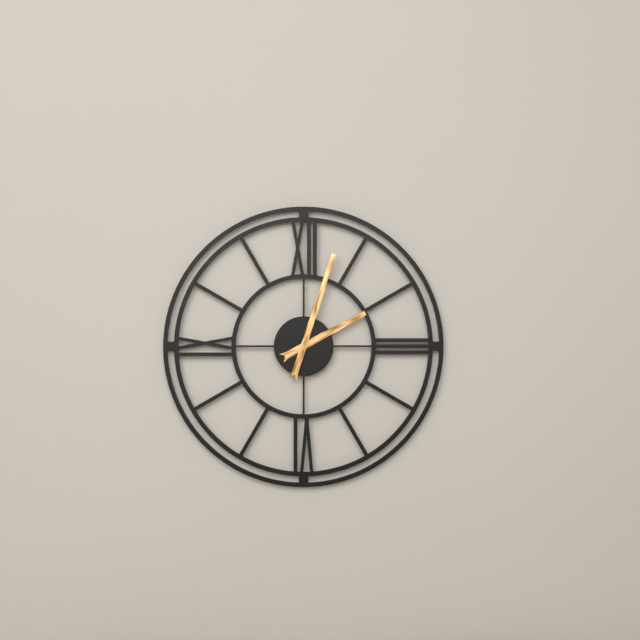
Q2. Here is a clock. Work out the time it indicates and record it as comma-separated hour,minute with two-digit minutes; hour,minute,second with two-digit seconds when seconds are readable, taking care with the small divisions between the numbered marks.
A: 2,03
